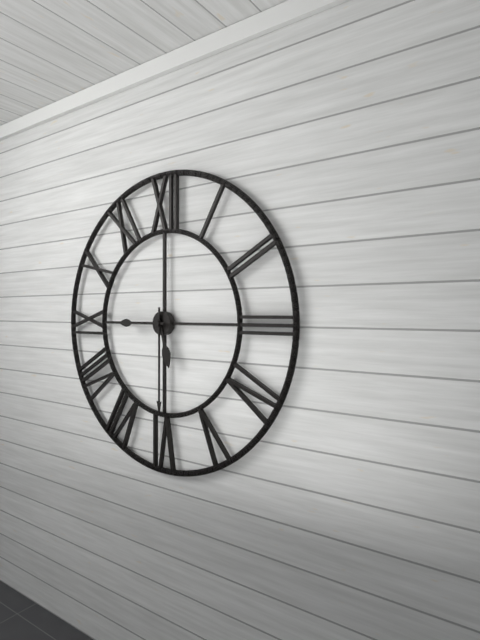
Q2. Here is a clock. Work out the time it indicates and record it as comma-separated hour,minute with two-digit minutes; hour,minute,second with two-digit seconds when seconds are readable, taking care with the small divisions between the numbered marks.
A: 5,30,45
